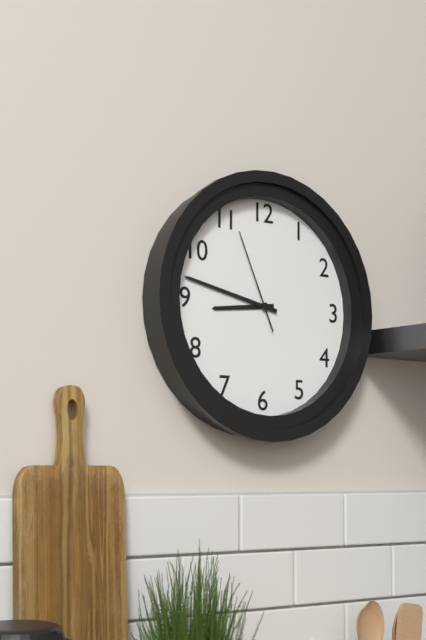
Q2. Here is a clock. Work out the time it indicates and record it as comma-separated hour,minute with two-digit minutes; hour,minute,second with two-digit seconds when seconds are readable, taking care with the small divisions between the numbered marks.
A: 8,47,56
